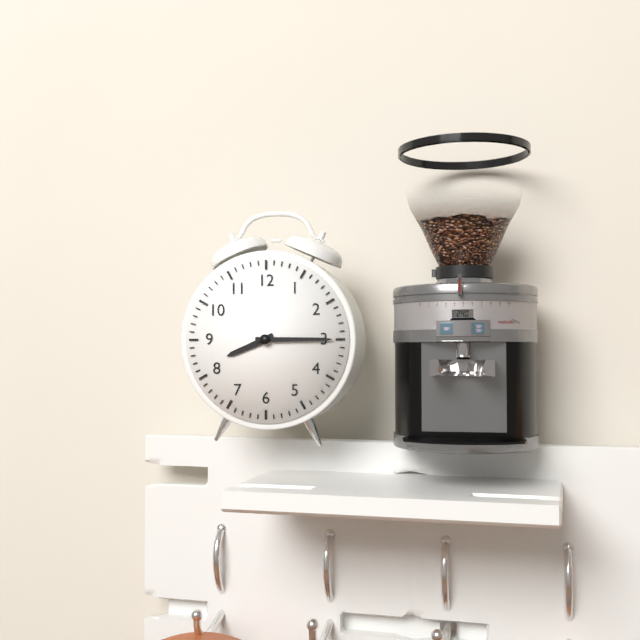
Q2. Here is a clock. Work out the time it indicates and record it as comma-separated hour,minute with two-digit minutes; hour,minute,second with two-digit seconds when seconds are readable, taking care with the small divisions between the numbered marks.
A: 8,15
